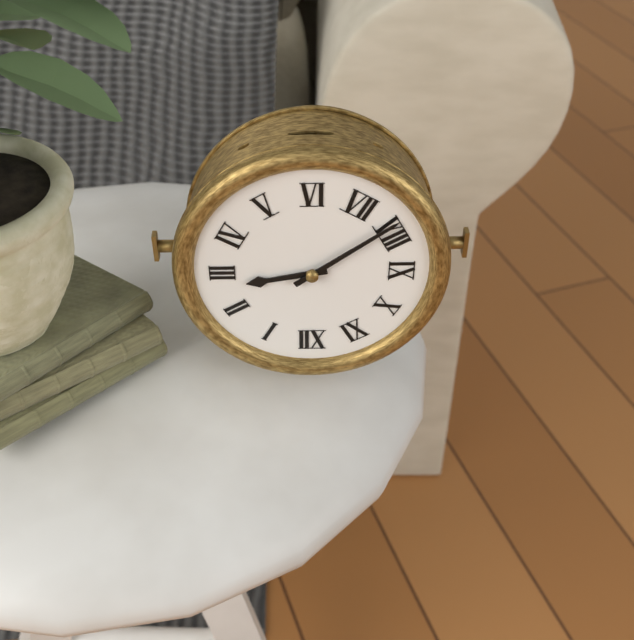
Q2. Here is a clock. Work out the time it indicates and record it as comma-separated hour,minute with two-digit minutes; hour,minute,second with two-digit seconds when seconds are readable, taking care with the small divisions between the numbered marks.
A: 2,39
